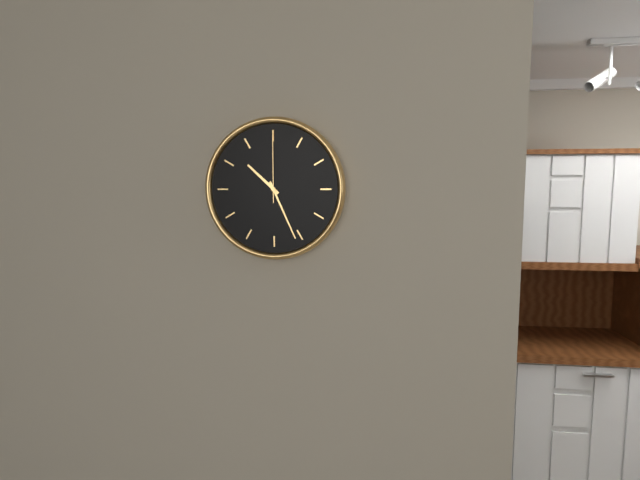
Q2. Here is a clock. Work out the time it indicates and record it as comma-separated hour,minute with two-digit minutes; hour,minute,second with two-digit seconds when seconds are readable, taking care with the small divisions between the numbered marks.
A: 10,26,00
